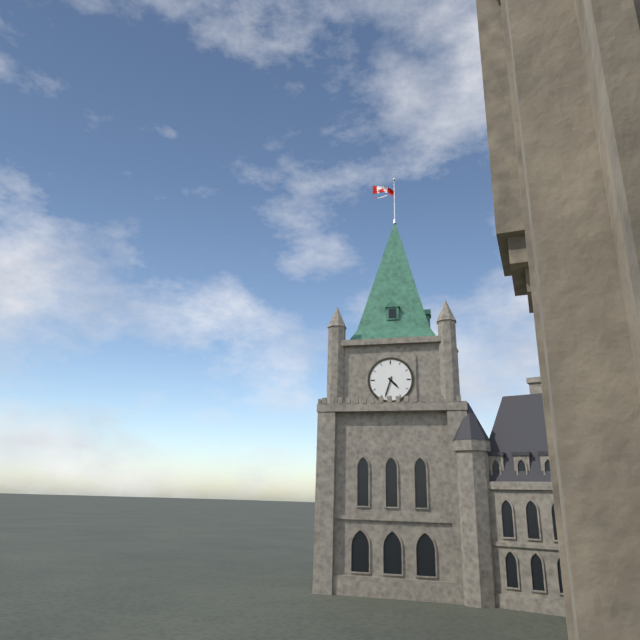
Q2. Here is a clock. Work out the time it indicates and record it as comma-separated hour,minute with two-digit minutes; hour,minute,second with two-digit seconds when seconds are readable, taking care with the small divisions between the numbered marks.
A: 4,33
